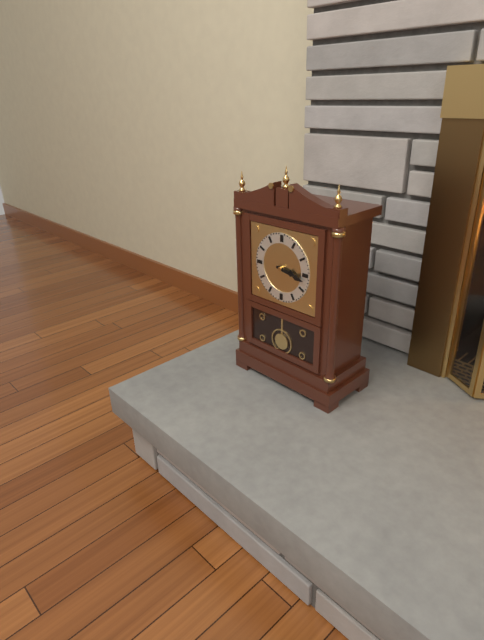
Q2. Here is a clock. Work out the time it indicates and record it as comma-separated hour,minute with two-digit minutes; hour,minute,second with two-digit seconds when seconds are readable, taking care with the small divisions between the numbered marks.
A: 3,17
